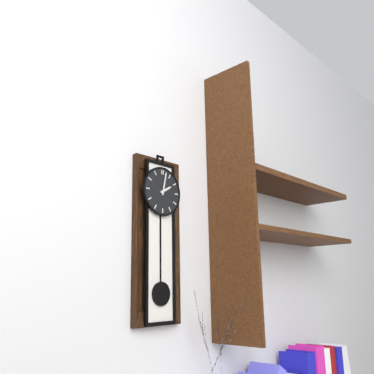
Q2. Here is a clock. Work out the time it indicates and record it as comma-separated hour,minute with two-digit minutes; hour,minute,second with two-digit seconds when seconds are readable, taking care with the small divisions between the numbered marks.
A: 2,02
